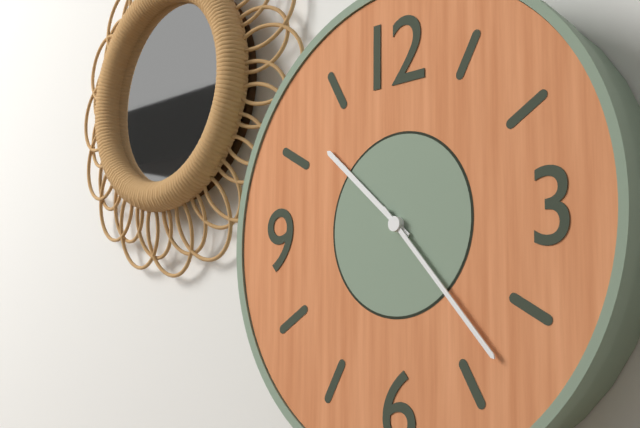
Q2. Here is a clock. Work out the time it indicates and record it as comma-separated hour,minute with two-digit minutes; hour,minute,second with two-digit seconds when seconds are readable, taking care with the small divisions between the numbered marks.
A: 10,23
